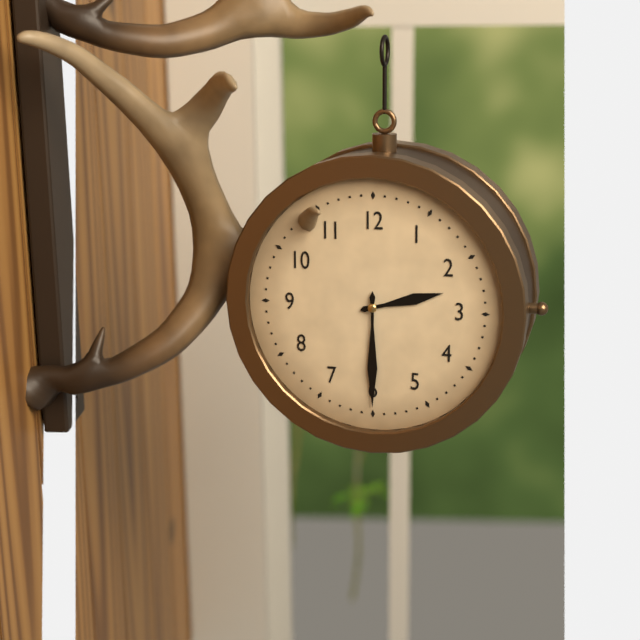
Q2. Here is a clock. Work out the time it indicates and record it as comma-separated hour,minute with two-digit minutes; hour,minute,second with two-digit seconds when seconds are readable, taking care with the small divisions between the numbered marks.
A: 2,30
